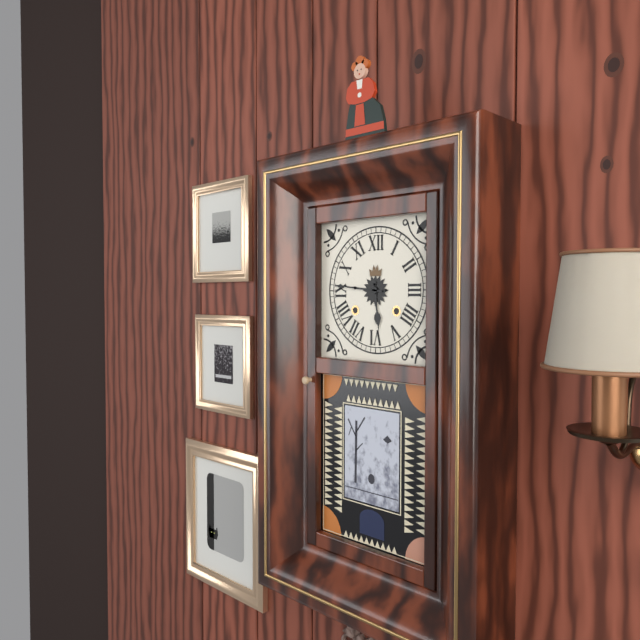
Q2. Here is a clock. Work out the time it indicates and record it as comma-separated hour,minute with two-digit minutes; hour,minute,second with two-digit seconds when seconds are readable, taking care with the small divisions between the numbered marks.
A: 5,46
